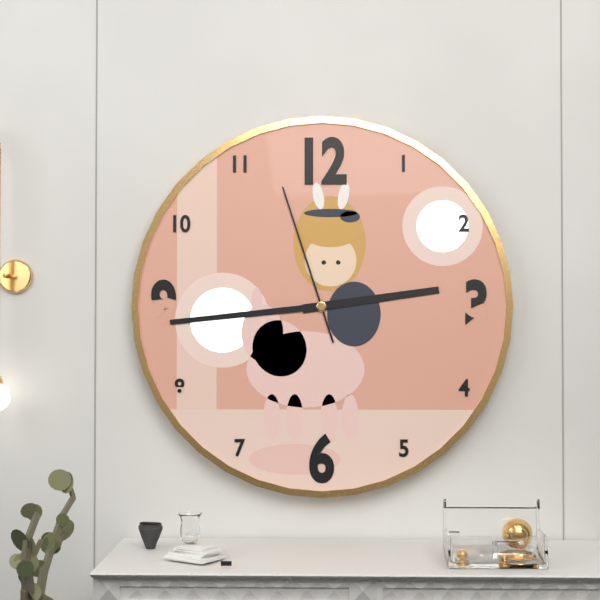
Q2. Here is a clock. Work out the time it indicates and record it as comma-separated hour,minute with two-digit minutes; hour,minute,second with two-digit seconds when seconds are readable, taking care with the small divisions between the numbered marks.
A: 2,44,57
